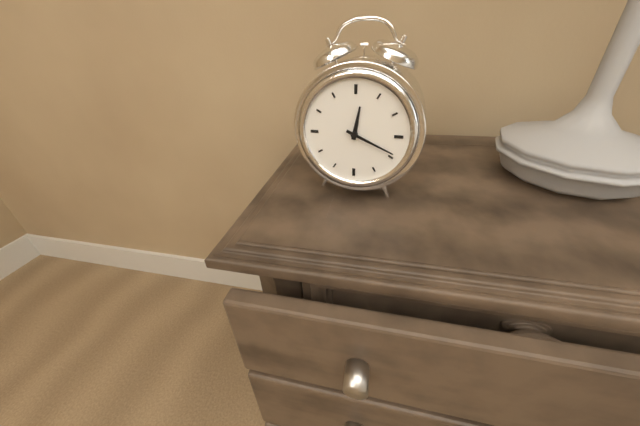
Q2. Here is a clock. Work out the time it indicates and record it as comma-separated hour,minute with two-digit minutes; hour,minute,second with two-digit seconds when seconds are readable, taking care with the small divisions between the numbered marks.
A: 12,19
